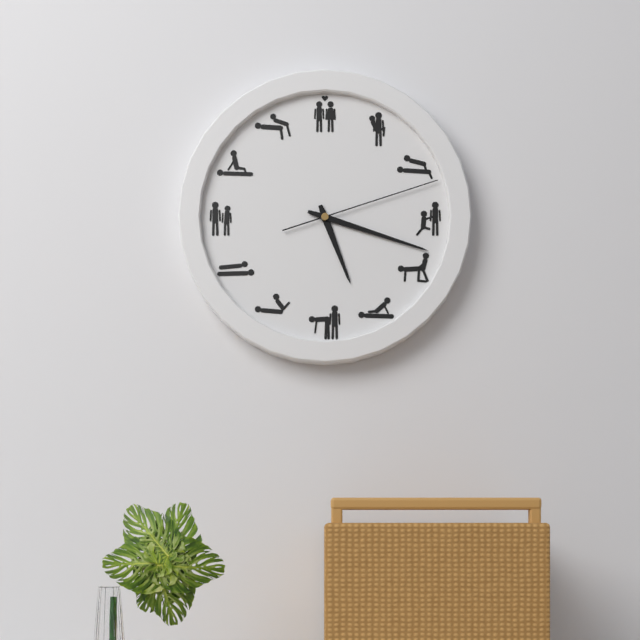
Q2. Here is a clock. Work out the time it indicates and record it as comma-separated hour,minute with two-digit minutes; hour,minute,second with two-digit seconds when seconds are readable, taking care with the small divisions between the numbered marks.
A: 5,18,12
